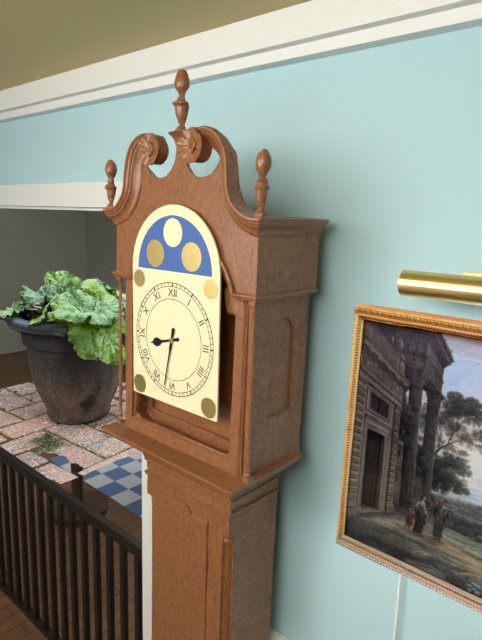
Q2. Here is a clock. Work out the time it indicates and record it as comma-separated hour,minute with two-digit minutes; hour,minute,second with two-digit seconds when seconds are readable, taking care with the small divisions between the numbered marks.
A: 8,32
